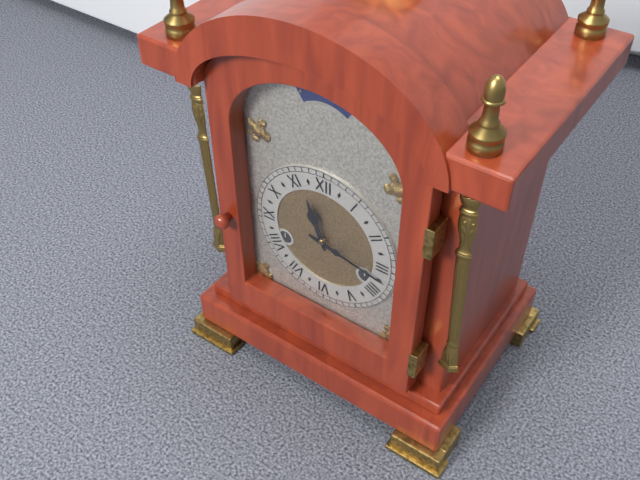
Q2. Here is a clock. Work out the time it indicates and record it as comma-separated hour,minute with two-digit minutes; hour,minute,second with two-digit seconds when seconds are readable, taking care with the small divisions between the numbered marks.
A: 11,17
